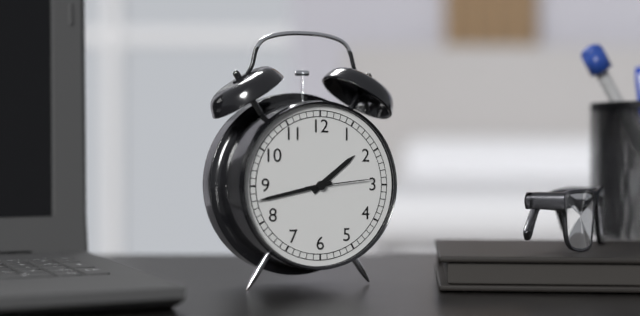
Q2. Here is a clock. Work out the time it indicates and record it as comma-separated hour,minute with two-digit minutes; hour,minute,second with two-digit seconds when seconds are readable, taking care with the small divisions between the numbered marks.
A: 1,43,14
